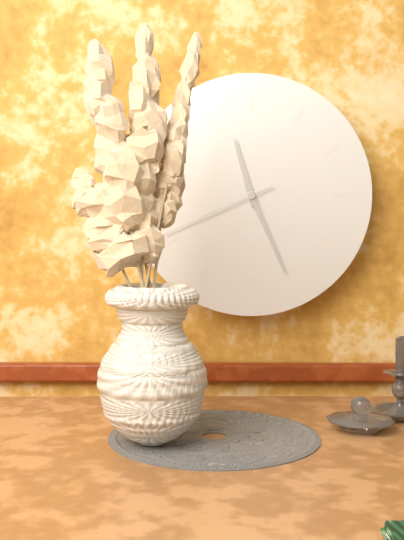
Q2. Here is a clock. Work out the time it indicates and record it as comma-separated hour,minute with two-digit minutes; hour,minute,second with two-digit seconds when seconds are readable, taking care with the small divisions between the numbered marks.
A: 11,26,41
